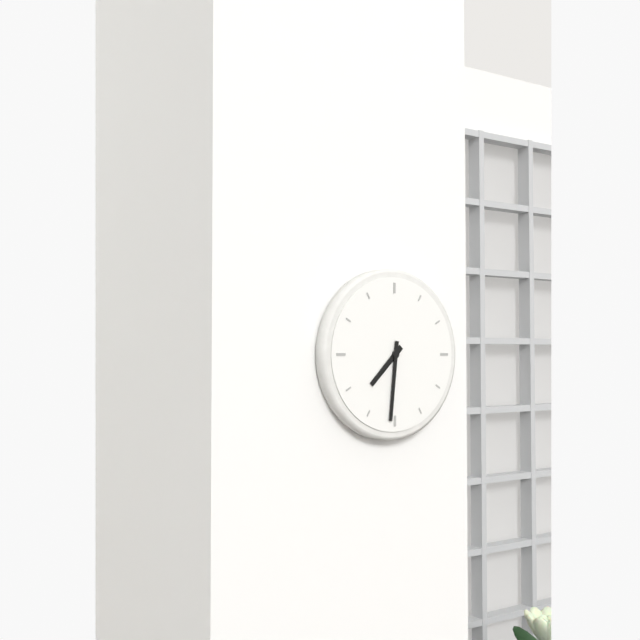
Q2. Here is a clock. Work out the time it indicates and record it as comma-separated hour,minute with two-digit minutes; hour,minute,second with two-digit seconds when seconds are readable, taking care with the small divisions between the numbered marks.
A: 7,31
